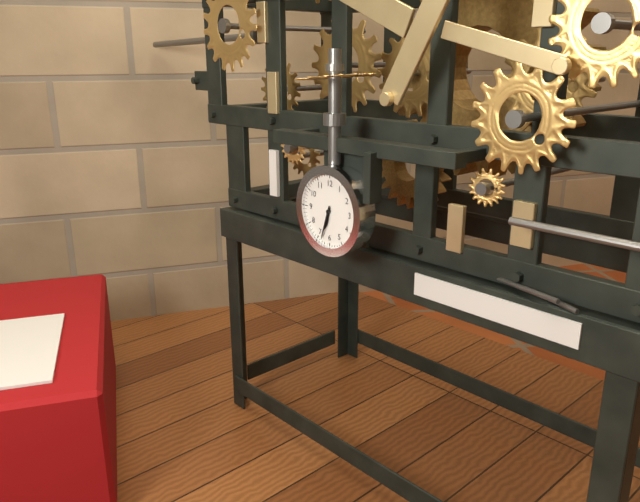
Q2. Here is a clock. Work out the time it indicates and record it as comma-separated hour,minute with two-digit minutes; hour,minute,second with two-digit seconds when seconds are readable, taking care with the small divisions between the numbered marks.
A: 6,33
